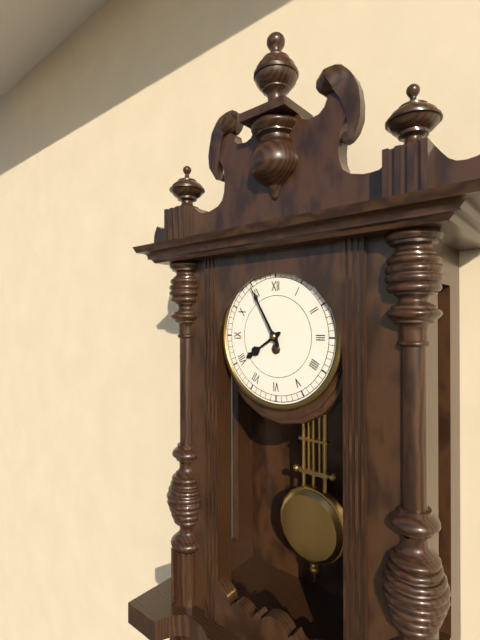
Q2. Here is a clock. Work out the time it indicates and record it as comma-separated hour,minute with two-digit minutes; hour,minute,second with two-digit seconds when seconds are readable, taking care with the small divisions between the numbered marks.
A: 7,55
